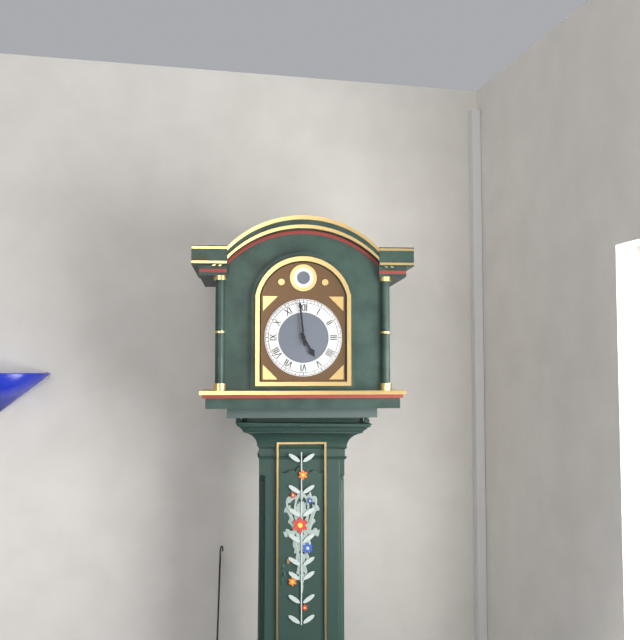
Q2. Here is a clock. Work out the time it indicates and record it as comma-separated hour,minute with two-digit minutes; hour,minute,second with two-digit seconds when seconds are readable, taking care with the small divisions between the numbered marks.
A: 4,59
